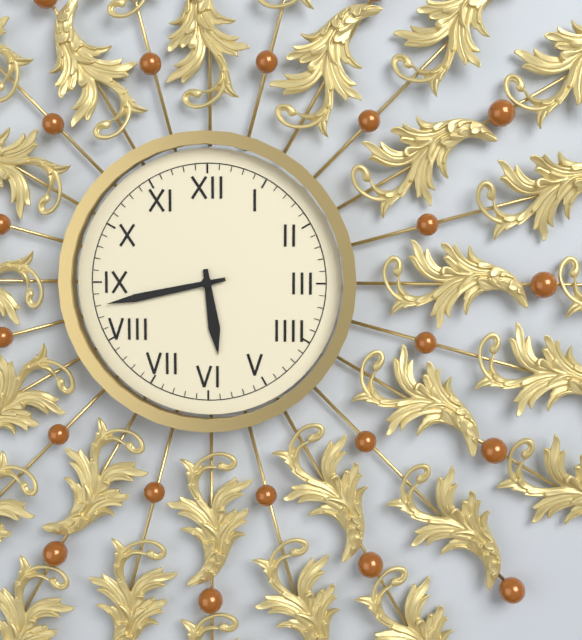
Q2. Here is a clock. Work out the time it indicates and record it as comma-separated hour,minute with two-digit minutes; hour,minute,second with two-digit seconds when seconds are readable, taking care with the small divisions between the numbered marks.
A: 5,43
